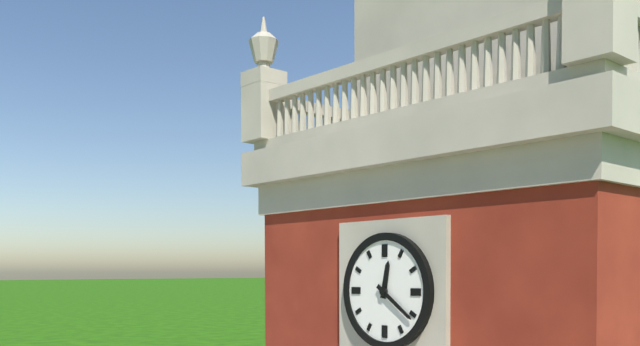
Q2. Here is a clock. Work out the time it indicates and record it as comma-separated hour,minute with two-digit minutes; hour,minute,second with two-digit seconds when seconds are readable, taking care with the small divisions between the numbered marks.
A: 12,21
